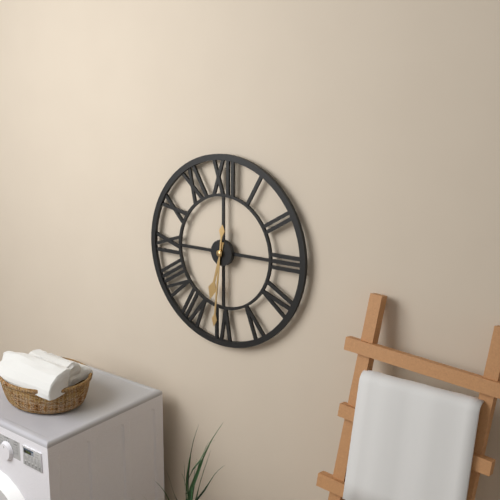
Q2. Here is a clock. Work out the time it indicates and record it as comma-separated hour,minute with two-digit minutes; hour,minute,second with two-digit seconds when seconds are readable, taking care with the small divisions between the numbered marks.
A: 6,31
